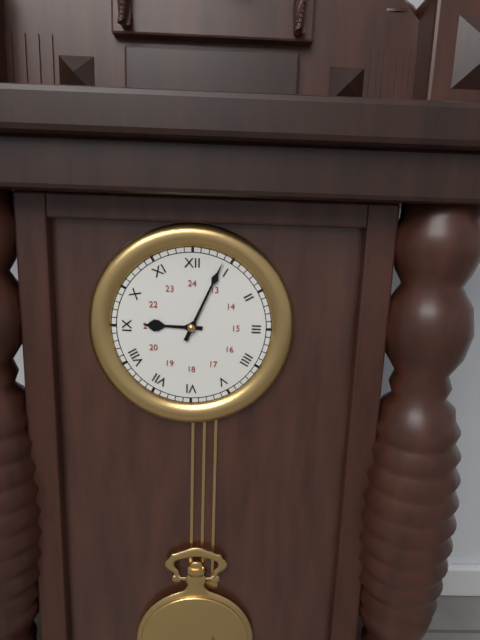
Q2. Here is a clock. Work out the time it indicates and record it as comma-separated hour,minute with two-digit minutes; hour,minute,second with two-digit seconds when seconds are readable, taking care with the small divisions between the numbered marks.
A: 9,04
